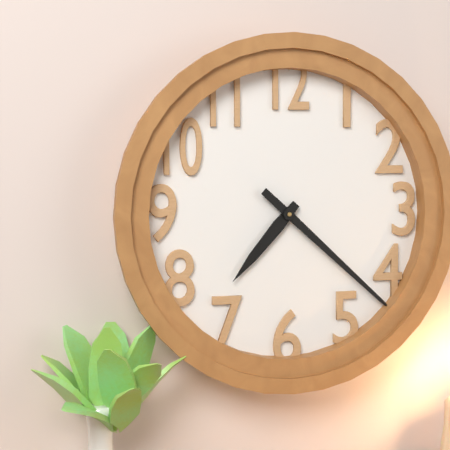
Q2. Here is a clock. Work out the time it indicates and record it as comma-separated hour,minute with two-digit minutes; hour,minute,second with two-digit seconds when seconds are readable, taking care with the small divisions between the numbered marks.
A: 7,22
